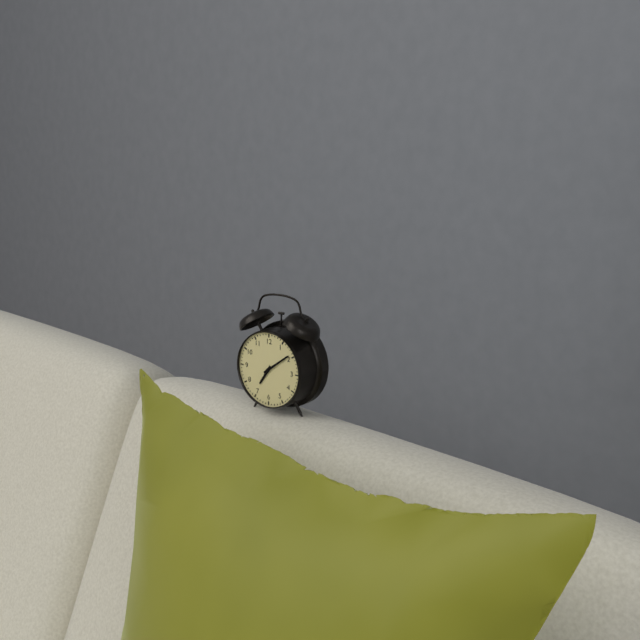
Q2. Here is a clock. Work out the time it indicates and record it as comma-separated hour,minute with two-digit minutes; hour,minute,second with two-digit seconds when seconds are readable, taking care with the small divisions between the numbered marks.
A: 7,09
